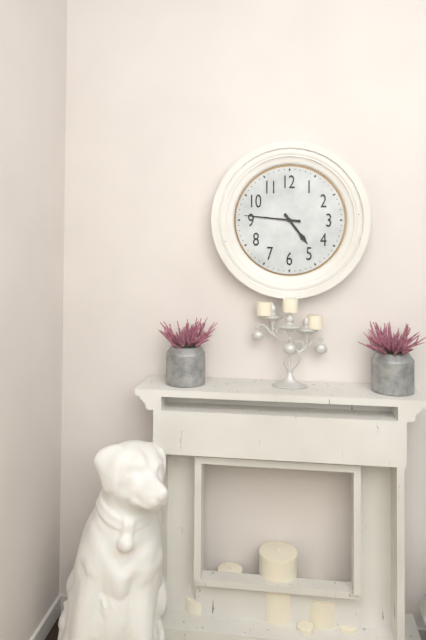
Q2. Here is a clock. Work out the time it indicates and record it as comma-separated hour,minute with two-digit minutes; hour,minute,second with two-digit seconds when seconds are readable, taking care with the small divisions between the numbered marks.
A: 4,46
